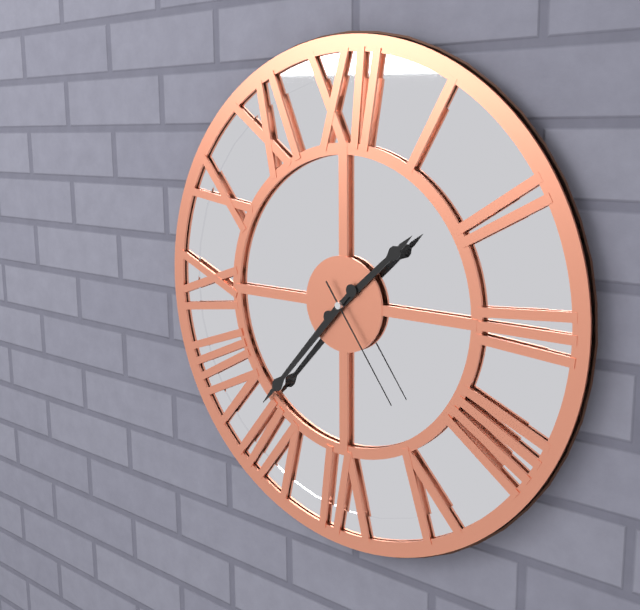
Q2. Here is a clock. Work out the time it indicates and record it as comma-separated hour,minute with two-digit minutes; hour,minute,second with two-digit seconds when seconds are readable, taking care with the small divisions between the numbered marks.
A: 1,37,24
